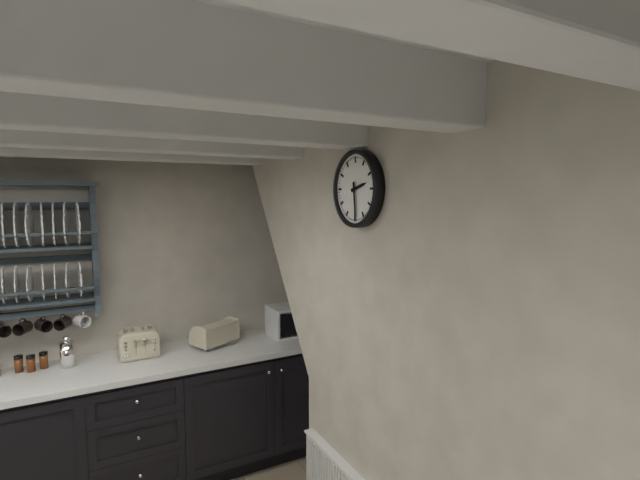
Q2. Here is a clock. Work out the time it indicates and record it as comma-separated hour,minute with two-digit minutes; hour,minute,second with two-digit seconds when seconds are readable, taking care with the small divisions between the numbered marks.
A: 2,29
